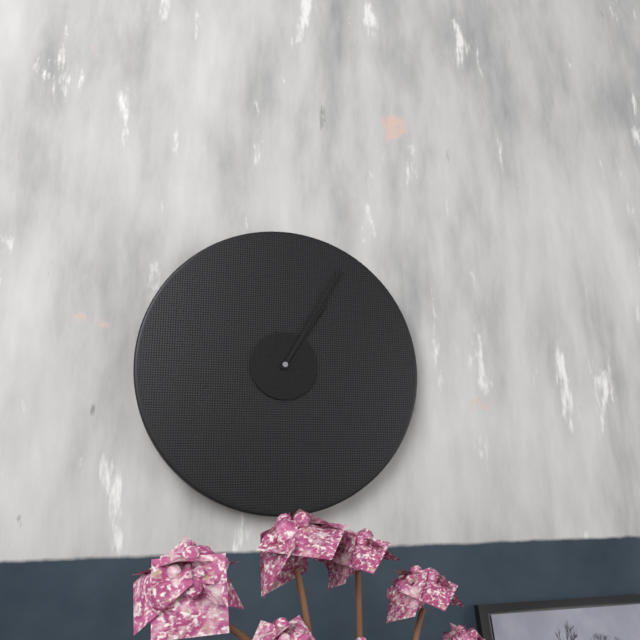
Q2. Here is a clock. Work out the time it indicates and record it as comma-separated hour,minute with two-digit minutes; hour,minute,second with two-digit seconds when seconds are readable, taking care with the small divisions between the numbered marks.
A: 1,05
